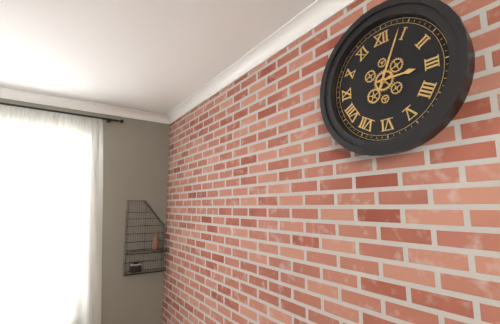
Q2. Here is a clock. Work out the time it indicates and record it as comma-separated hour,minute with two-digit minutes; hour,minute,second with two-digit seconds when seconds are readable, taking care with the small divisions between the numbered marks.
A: 3,04
